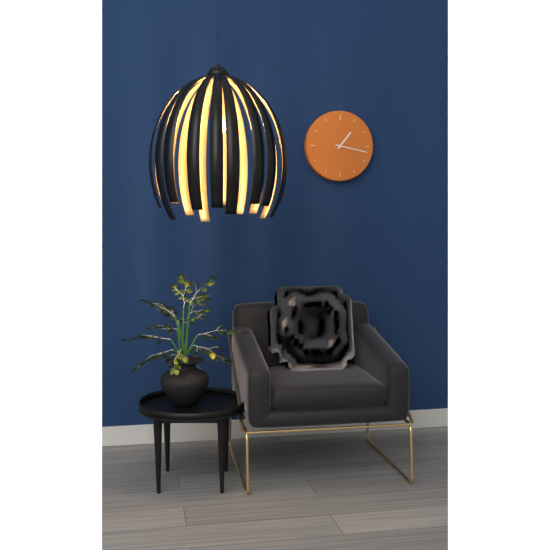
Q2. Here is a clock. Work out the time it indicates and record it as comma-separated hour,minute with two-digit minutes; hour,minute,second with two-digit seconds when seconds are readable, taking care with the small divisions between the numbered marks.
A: 1,17
